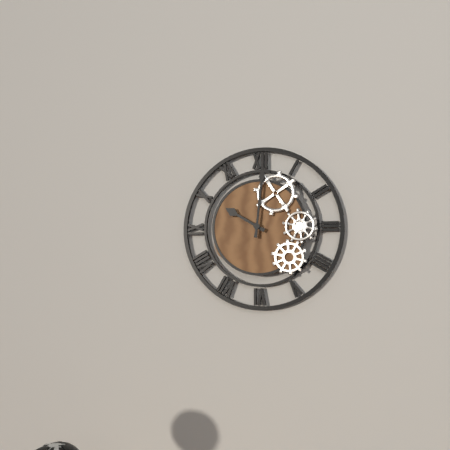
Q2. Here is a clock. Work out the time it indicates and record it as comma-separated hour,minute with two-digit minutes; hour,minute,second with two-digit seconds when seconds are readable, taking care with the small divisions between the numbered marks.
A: 10,01
